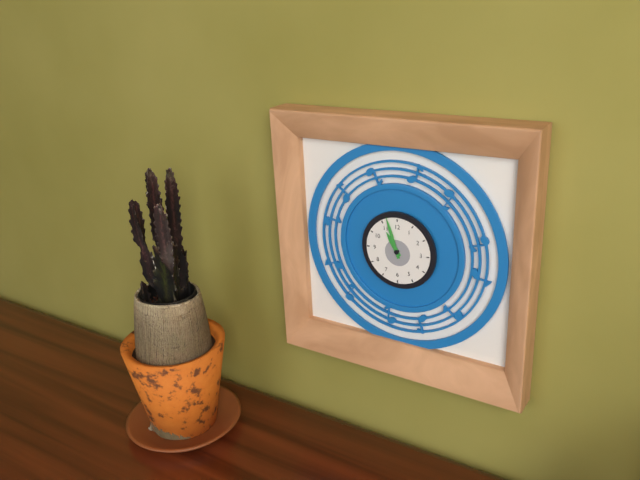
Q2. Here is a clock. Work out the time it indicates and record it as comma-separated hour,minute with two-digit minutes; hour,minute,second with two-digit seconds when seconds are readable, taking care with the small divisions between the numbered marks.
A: 10,57
